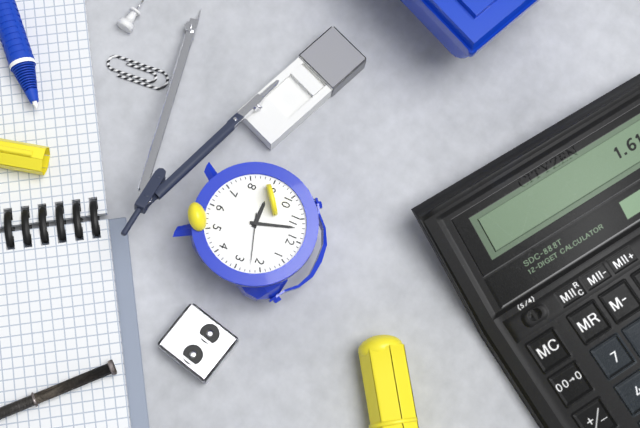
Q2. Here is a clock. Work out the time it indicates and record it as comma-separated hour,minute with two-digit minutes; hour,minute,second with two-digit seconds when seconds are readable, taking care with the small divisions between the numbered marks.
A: 8,57,12
